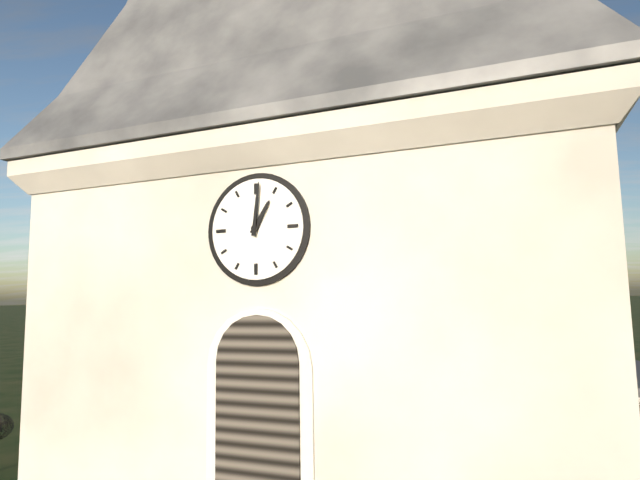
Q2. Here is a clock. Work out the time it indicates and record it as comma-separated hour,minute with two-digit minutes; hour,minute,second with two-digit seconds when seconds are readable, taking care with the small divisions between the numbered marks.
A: 1,01
